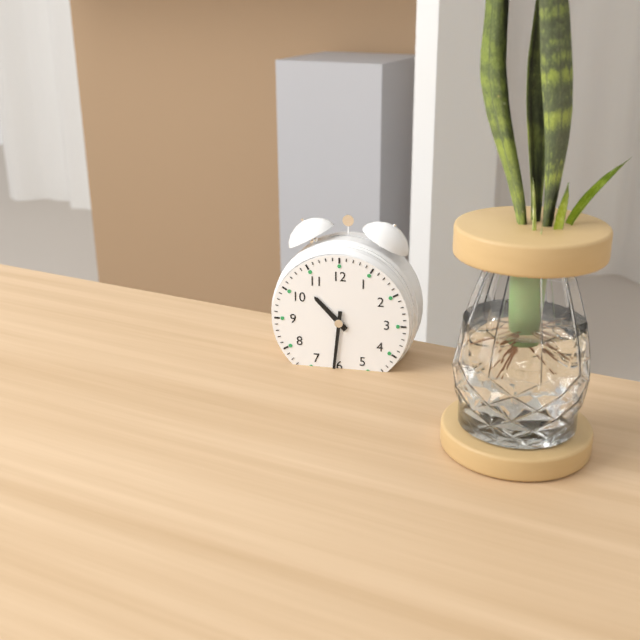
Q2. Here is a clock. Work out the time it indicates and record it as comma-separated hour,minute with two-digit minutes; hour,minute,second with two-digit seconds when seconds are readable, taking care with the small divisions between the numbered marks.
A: 10,31
